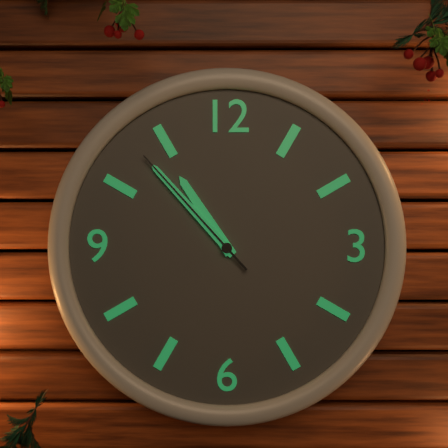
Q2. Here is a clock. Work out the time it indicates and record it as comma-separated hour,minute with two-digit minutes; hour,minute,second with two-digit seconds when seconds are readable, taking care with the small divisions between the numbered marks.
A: 10,53,53
